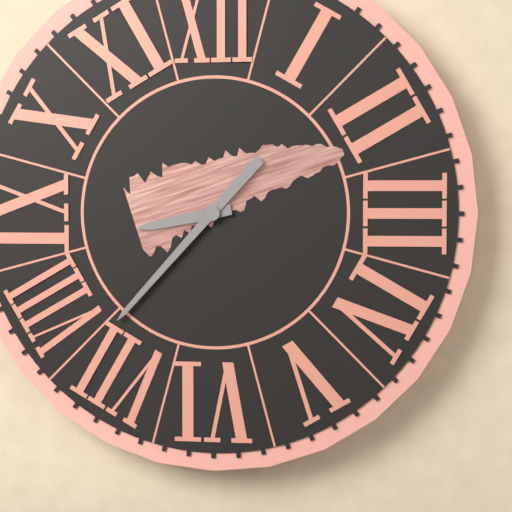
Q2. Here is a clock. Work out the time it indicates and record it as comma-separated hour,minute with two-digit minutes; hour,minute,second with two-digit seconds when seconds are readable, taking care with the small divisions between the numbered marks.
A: 8,37
